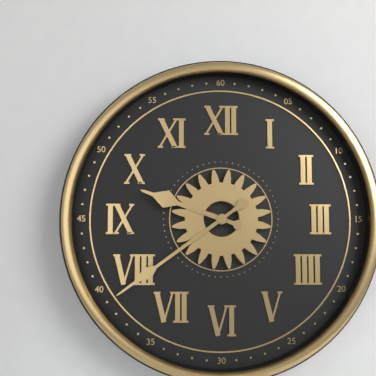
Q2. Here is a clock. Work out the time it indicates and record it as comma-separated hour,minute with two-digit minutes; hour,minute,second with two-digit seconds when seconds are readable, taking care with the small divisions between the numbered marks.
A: 9,39
